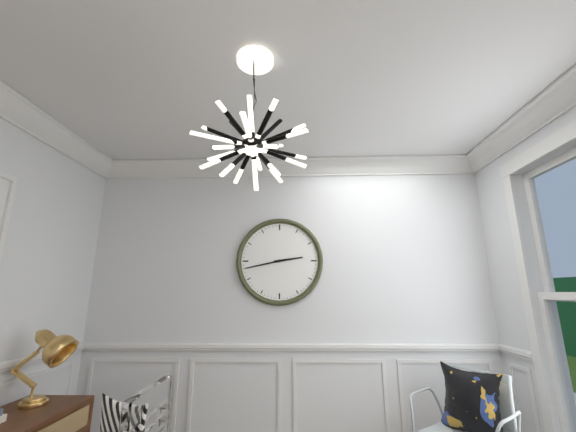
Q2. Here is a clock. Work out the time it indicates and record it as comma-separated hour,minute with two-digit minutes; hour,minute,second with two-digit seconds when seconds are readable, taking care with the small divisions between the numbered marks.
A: 2,43
